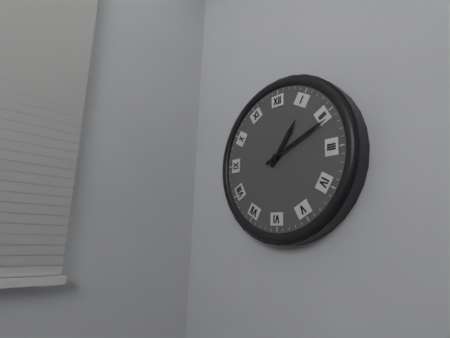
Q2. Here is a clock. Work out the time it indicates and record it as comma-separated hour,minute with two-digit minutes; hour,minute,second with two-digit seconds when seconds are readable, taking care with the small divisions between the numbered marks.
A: 1,11
